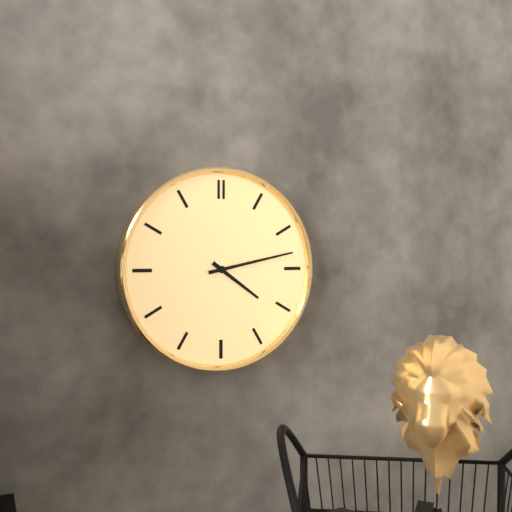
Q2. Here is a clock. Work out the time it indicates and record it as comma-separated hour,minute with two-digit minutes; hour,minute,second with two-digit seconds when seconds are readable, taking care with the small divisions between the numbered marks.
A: 4,13
